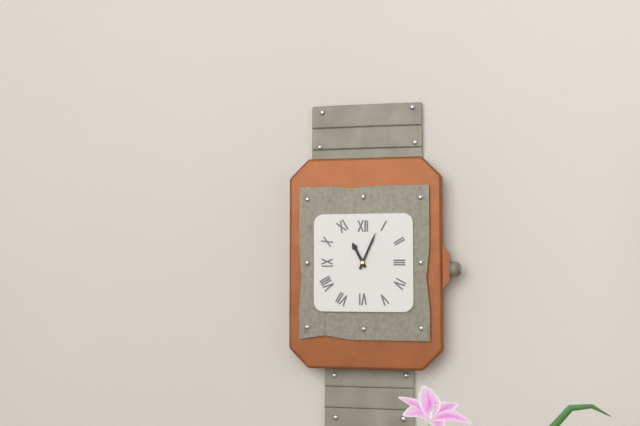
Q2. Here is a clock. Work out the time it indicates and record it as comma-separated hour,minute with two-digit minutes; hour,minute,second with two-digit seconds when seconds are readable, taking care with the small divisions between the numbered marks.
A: 11,04
